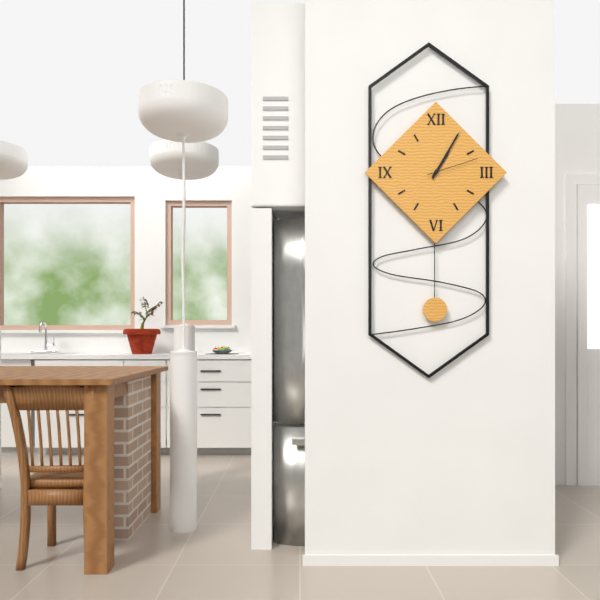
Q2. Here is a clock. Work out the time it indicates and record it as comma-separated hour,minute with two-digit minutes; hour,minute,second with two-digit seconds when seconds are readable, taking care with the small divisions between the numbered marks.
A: 1,05,12
